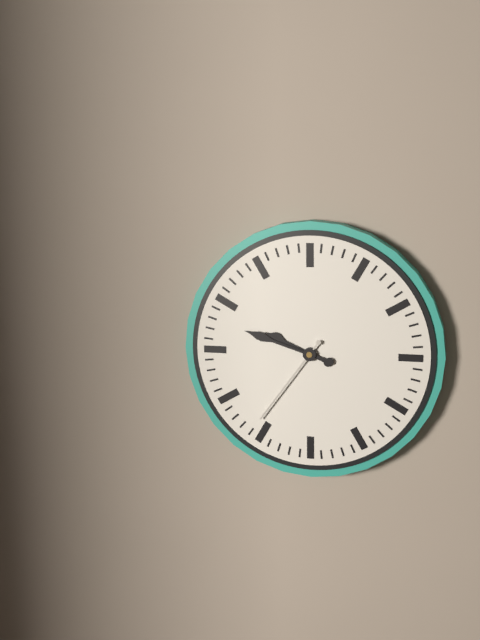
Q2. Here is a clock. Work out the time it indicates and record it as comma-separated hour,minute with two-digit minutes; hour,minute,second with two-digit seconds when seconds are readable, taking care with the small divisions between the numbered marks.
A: 9,48,36
